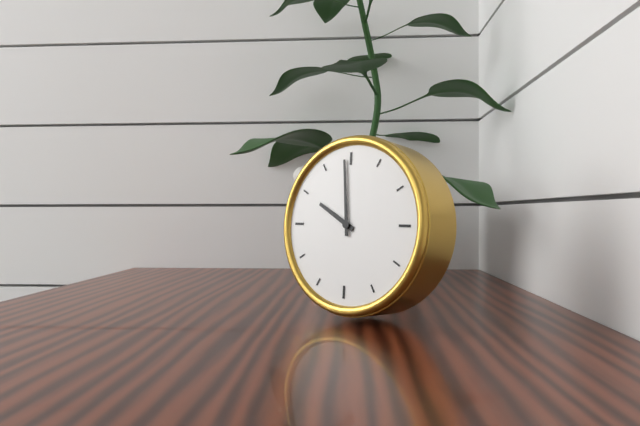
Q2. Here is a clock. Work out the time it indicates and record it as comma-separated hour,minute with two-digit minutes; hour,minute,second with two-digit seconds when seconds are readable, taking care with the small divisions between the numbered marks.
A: 9,59
